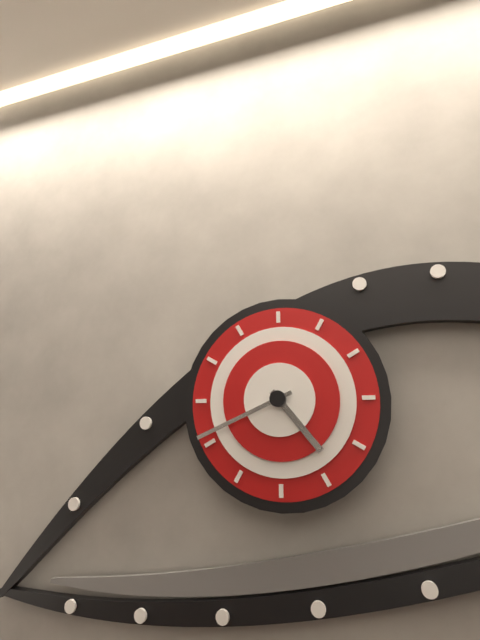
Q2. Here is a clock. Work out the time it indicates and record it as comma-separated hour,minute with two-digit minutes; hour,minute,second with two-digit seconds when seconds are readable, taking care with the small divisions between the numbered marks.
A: 4,41
